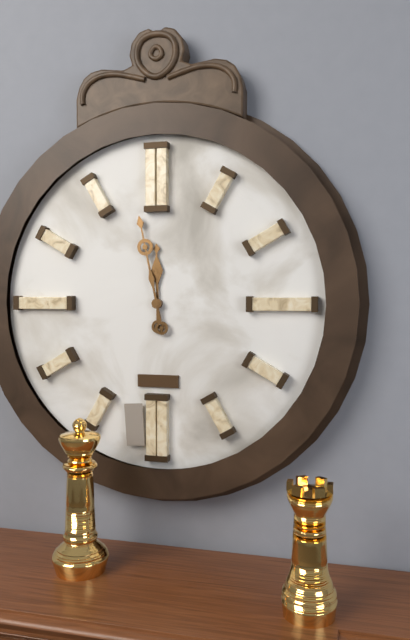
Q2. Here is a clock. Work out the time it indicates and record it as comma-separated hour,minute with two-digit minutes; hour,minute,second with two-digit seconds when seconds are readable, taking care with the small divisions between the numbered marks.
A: 11,58
